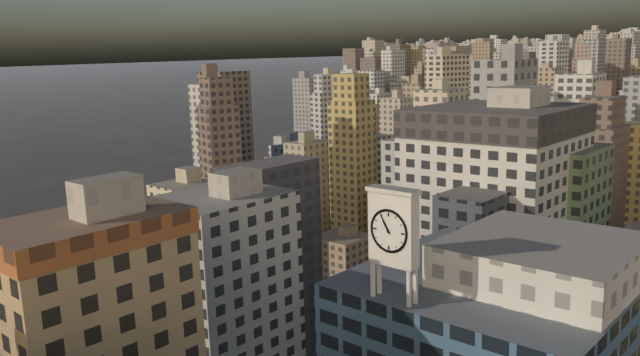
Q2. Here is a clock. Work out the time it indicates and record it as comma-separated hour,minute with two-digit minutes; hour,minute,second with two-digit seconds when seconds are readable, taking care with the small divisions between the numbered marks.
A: 10,55
